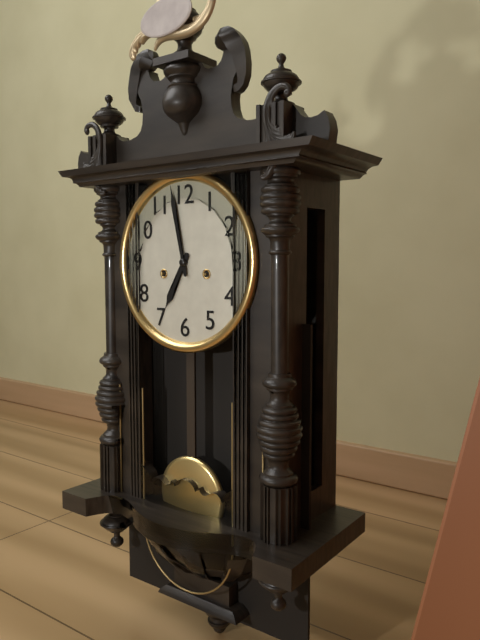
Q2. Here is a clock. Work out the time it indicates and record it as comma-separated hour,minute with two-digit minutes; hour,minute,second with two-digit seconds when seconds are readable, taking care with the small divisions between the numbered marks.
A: 6,58
